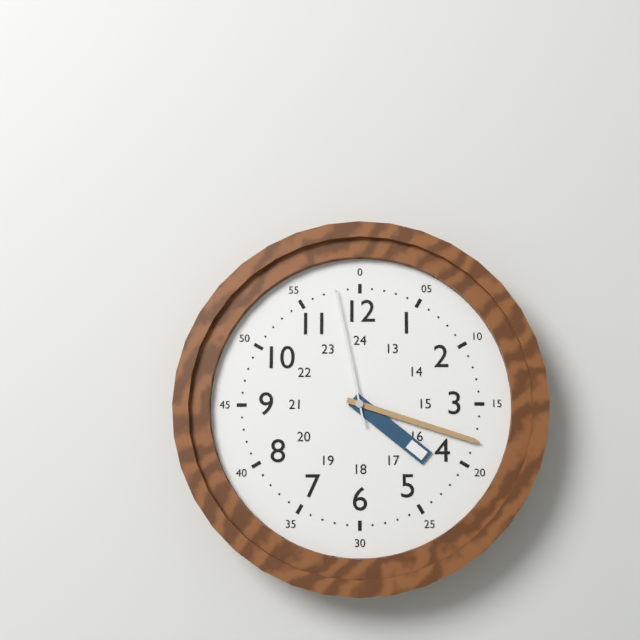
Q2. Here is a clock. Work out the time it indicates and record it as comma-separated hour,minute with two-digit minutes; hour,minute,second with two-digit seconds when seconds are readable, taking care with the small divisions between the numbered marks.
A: 4,18,58
